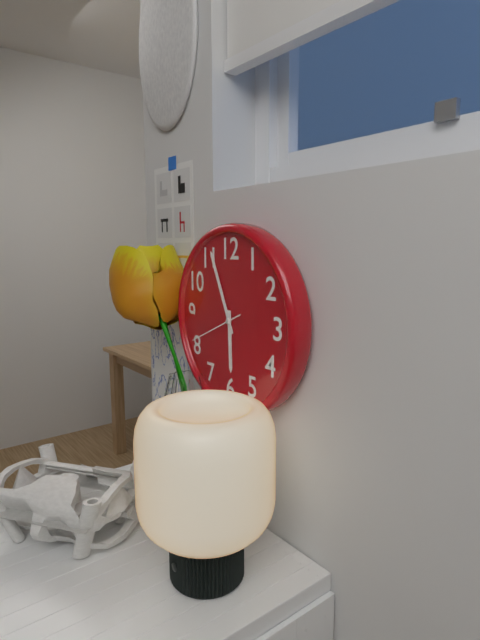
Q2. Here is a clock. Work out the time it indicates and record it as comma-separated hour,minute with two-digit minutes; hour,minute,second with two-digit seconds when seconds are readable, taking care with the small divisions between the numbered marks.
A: 5,56,41
